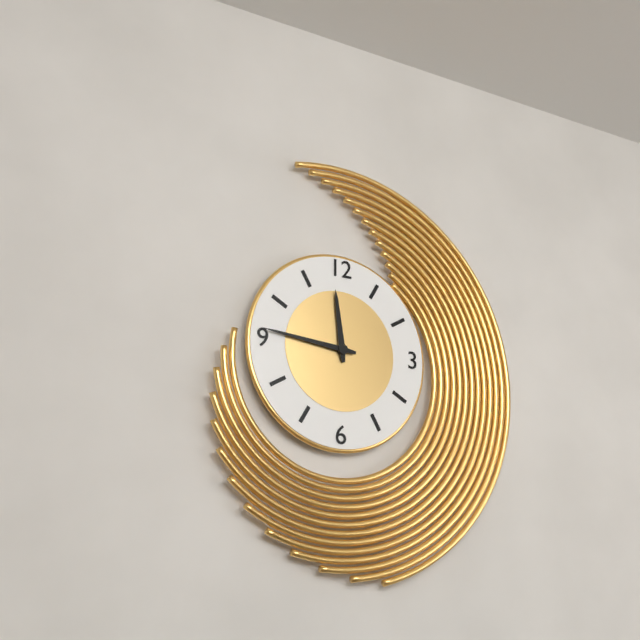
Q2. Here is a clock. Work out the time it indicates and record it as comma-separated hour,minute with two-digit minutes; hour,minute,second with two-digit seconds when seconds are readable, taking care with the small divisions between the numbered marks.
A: 11,46
